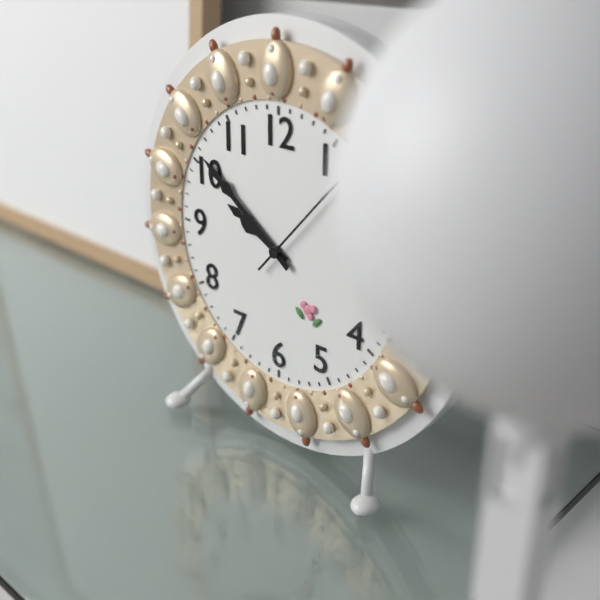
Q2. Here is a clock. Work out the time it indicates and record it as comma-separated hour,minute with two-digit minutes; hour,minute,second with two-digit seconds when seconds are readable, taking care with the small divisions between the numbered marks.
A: 9,51,07
